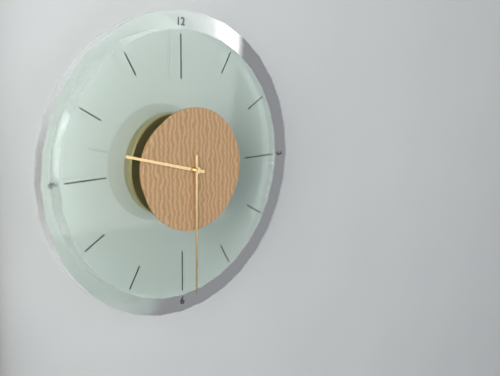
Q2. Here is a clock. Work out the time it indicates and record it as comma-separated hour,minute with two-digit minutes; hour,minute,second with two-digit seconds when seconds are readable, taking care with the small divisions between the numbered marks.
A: 9,30
